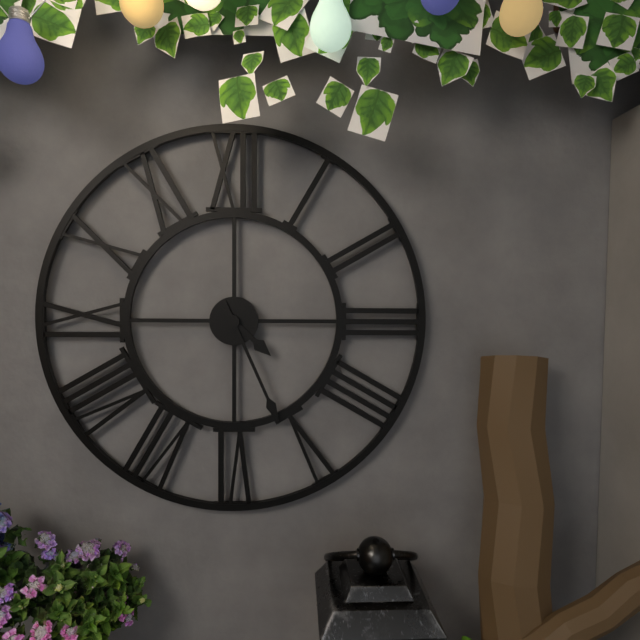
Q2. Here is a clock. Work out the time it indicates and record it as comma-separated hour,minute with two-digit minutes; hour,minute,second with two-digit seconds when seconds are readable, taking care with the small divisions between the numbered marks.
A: 4,26
